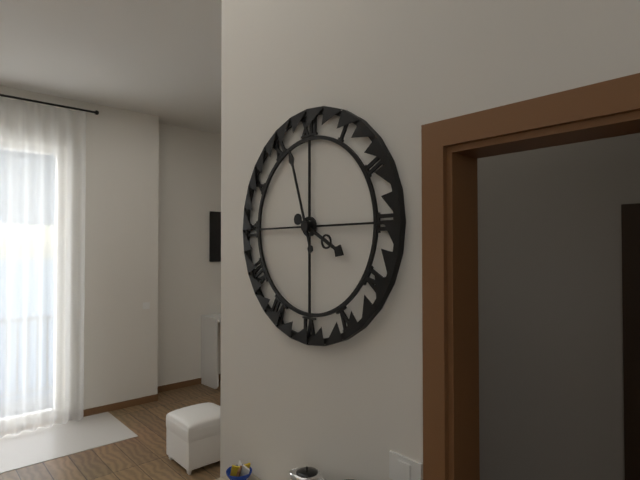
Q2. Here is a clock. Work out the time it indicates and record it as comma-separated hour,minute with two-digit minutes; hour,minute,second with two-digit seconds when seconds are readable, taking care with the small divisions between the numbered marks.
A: 3,57
